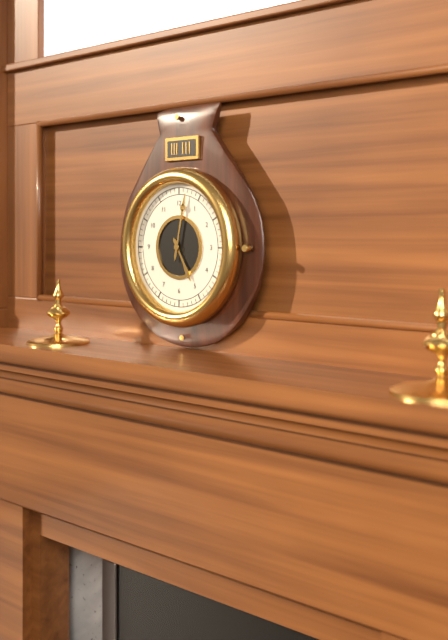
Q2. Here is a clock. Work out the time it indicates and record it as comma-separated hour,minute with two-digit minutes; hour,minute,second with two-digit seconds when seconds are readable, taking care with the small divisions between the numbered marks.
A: 5,02
